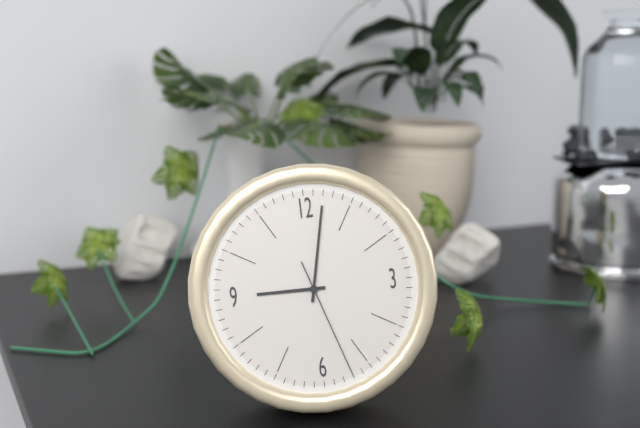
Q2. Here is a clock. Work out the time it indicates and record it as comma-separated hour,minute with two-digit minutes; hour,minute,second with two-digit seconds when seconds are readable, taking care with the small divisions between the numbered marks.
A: 9,02,27
